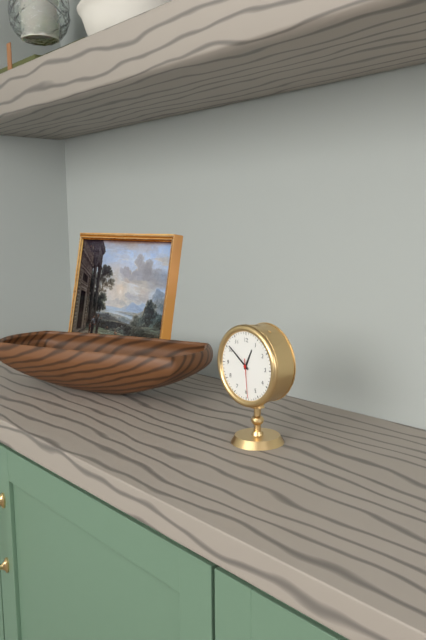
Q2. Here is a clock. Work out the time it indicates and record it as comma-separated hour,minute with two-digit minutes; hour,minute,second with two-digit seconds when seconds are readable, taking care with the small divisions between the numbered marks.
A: 12,51
